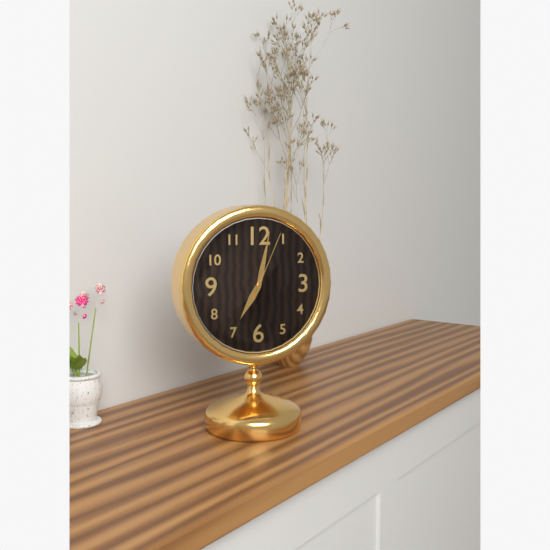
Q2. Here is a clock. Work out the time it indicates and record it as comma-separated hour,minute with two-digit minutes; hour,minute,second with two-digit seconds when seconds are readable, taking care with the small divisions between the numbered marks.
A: 7,02,04
